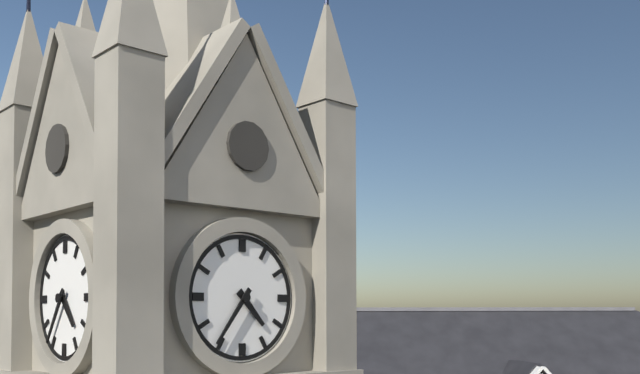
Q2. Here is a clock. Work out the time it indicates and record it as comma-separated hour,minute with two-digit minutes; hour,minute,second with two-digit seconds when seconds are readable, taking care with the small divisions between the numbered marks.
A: 4,36
